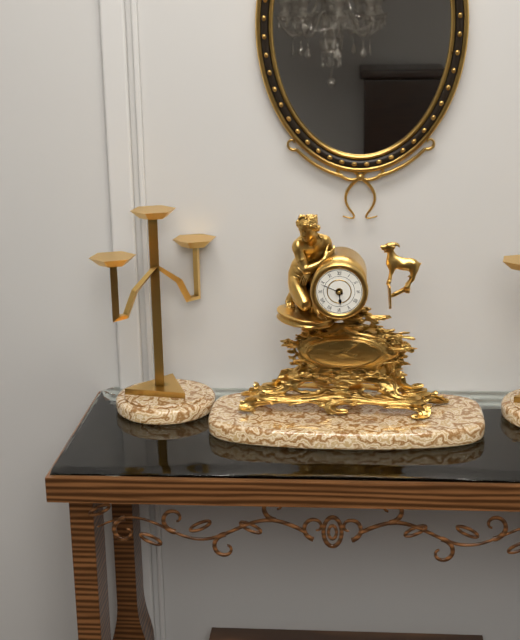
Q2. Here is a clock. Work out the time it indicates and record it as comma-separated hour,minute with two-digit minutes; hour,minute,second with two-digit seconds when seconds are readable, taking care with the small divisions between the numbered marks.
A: 5,49
